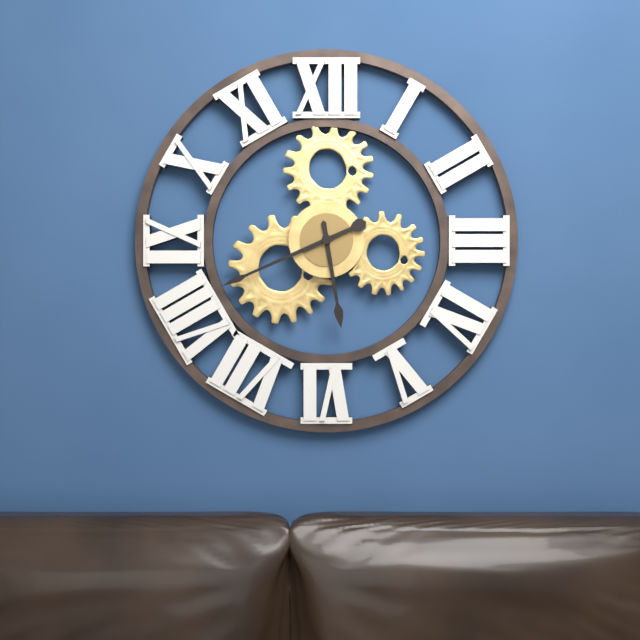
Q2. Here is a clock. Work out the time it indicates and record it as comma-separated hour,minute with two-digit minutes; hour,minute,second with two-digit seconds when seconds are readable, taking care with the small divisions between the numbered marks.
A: 5,41
